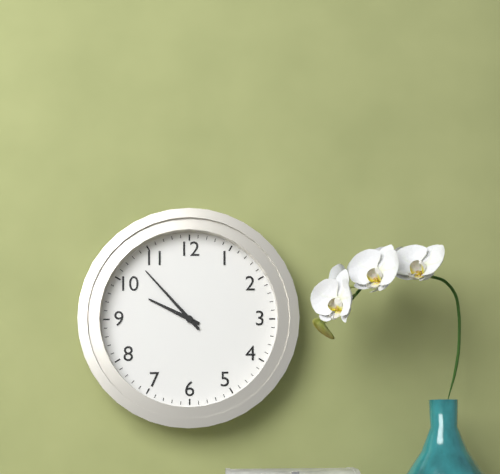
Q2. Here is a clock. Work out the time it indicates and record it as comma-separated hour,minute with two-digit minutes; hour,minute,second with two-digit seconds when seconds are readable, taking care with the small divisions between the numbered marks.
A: 9,53
